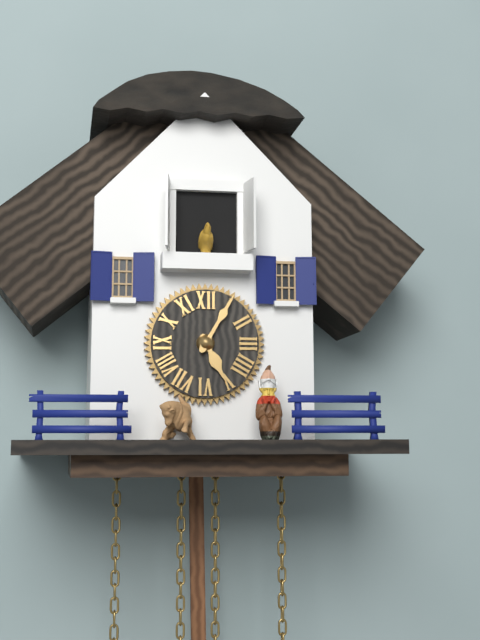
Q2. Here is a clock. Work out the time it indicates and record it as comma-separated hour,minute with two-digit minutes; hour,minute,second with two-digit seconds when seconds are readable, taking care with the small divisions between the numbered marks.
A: 5,05
